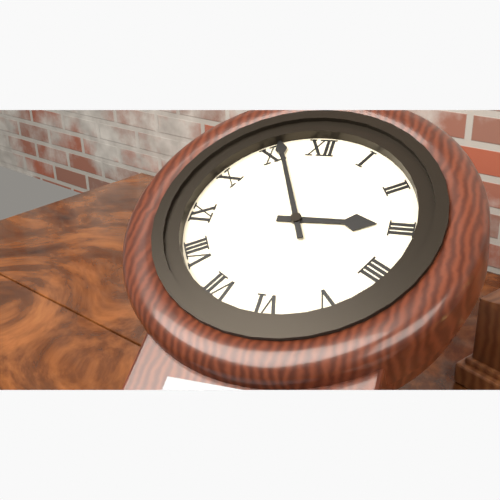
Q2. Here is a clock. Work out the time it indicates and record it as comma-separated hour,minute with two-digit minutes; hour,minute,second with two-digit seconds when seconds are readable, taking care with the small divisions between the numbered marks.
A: 2,56
